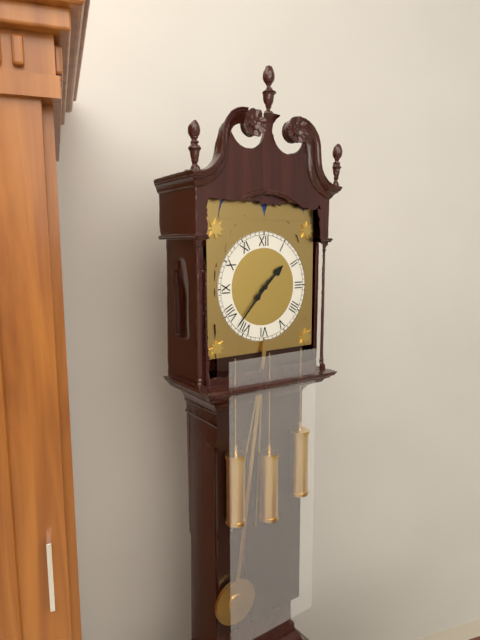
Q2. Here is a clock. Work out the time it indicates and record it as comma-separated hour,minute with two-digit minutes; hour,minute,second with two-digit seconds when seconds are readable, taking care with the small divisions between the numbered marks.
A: 1,37
